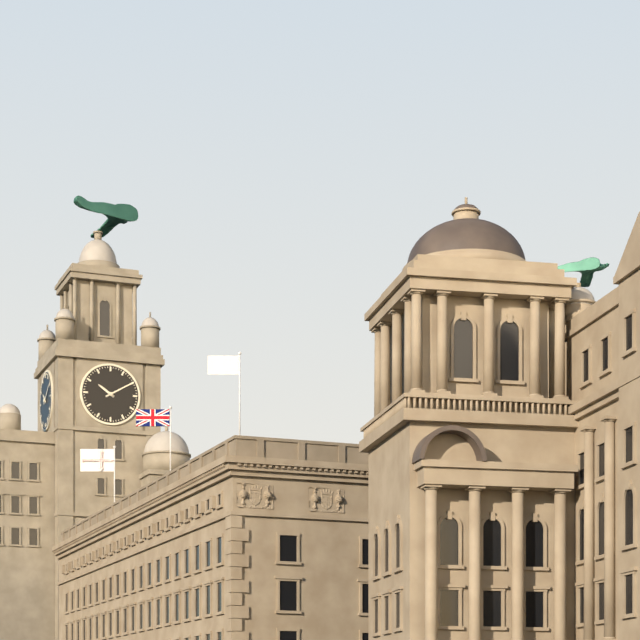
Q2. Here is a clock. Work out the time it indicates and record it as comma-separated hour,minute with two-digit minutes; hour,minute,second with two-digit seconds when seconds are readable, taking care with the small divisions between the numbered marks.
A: 10,10
